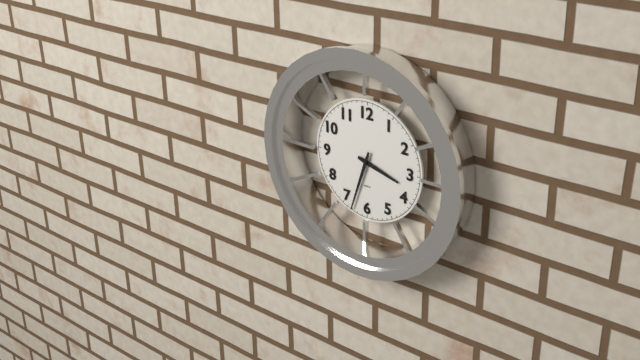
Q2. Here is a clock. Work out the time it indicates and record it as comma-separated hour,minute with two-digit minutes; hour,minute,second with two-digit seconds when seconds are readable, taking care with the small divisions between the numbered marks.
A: 3,33
